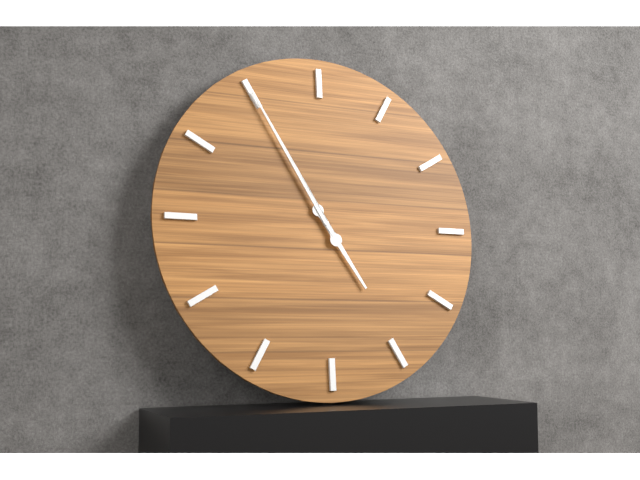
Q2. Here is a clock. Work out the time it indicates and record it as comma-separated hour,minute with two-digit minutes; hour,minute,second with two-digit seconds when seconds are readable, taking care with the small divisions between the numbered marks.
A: 4,55
